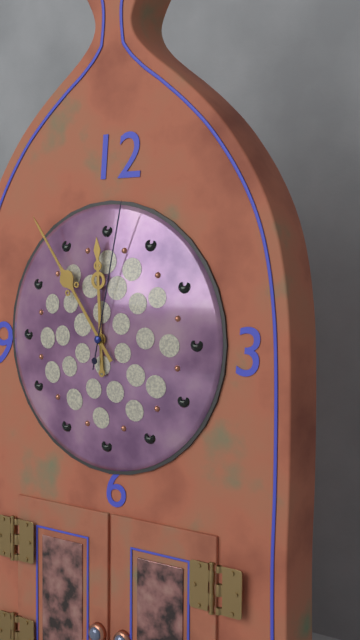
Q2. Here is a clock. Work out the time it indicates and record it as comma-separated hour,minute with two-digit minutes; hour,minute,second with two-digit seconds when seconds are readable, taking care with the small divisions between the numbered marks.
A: 11,54,02
